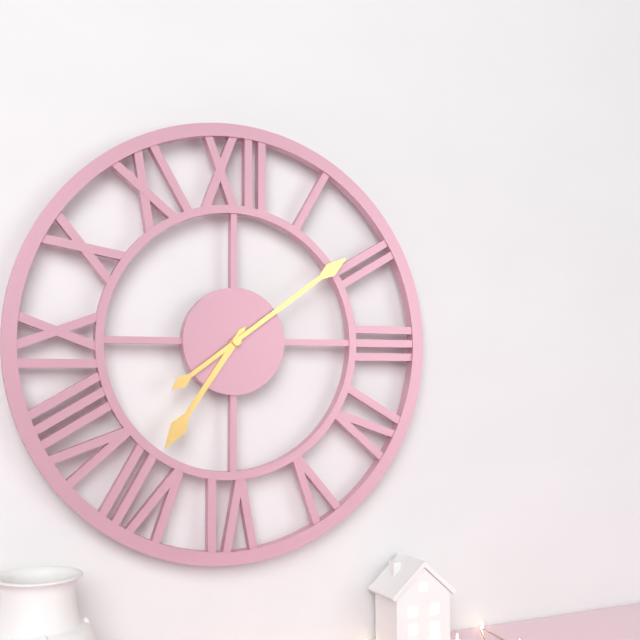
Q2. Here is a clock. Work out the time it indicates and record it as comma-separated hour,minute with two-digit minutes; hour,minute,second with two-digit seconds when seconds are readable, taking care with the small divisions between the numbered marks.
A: 7,09
